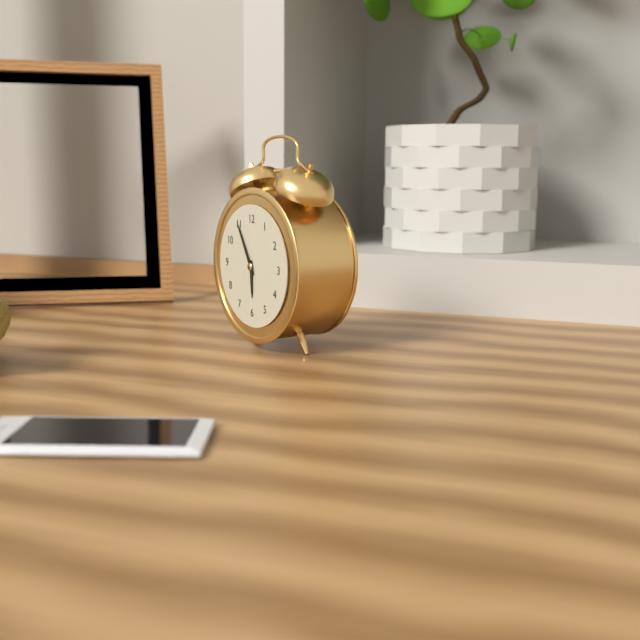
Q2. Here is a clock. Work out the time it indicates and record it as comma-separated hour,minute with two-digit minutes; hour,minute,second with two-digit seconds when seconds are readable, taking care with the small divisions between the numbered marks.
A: 5,55
